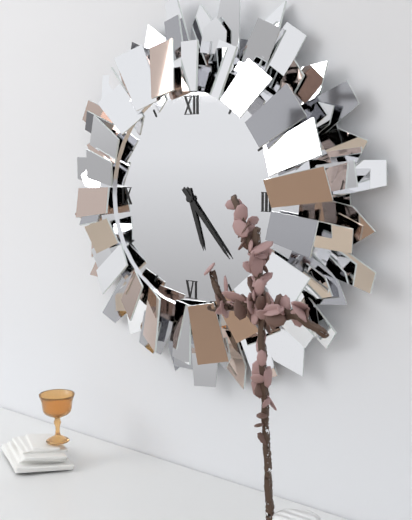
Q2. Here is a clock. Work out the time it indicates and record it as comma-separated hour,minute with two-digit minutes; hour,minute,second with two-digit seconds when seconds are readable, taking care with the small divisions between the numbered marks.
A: 5,23
